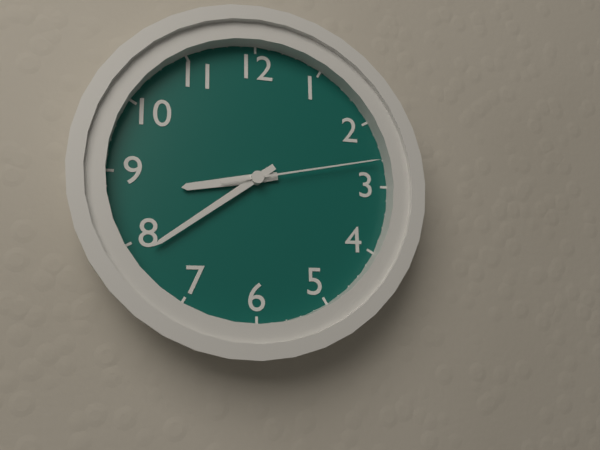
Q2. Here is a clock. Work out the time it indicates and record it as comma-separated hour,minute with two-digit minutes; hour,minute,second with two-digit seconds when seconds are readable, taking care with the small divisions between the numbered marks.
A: 8,39,13
